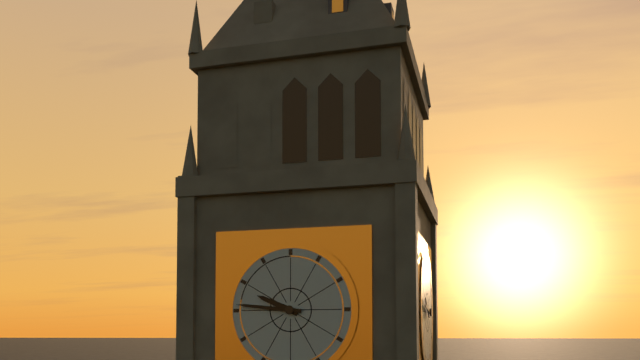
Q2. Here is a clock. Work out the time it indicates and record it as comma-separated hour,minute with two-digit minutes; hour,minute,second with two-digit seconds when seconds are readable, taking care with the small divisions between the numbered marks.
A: 9,46
